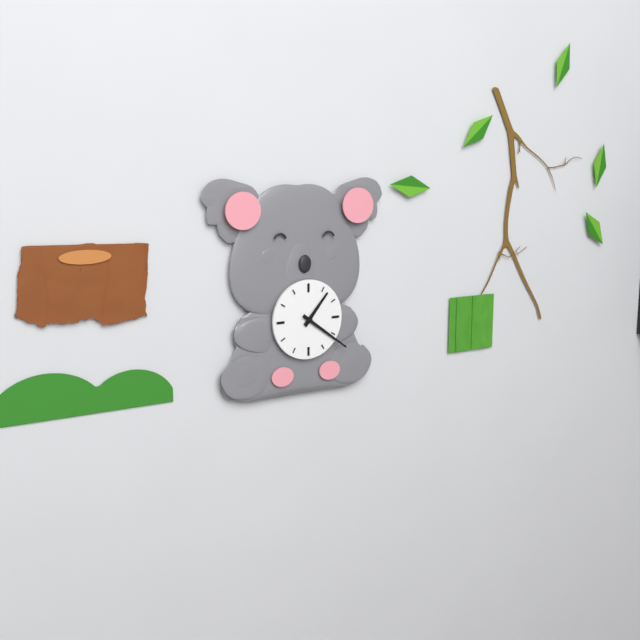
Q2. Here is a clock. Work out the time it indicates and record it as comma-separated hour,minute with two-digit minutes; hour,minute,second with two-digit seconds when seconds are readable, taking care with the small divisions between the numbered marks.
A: 1,21
